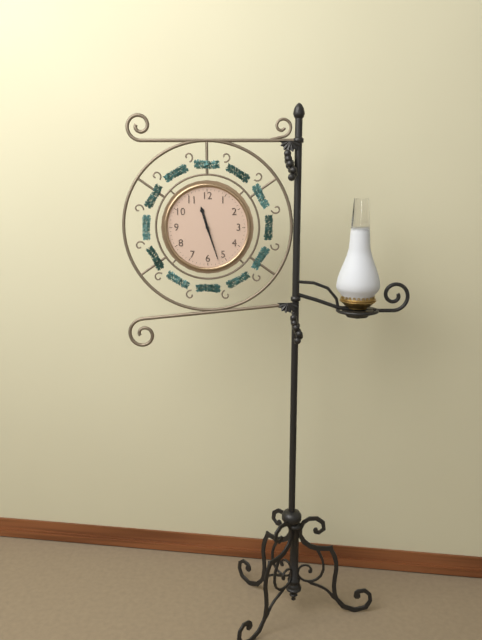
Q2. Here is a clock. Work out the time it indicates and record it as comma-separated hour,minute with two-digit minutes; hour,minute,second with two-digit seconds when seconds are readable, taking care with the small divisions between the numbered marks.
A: 11,27
